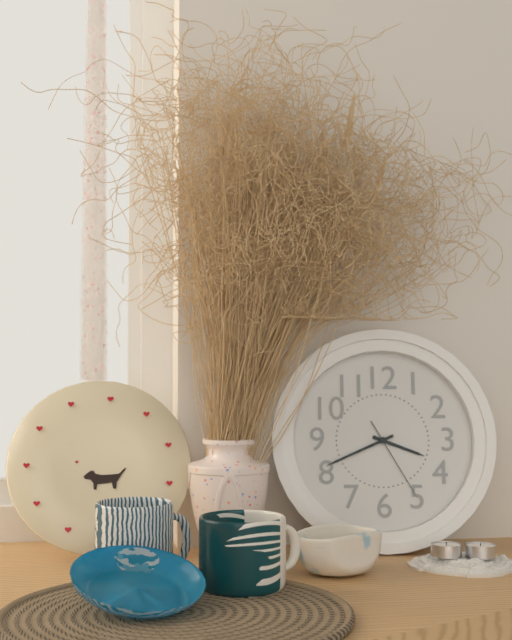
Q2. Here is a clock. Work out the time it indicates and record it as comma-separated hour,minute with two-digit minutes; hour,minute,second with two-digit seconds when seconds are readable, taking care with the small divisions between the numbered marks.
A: 3,41,25
